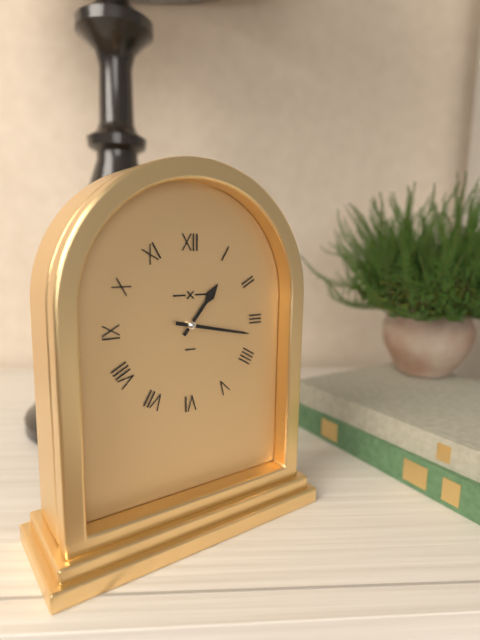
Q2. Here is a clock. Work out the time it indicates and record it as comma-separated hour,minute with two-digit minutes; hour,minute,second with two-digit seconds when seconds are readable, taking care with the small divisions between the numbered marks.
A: 1,17
